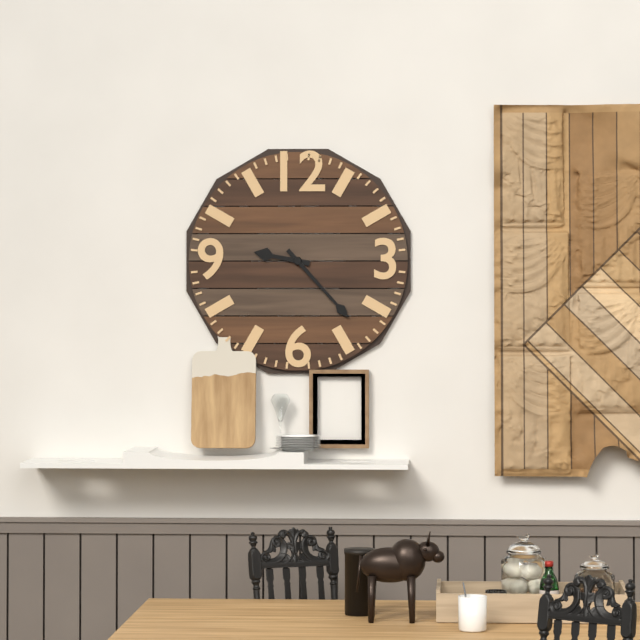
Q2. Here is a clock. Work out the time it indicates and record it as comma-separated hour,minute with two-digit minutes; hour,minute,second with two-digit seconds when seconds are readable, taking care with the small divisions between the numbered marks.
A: 9,23
